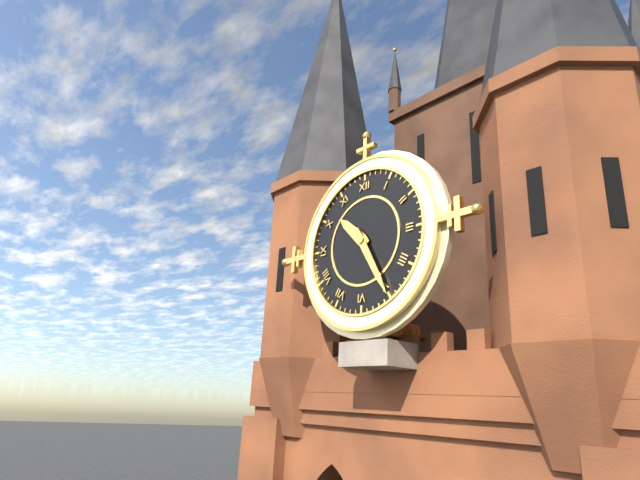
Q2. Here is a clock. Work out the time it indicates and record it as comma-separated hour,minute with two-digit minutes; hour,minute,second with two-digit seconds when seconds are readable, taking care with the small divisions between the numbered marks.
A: 10,25
